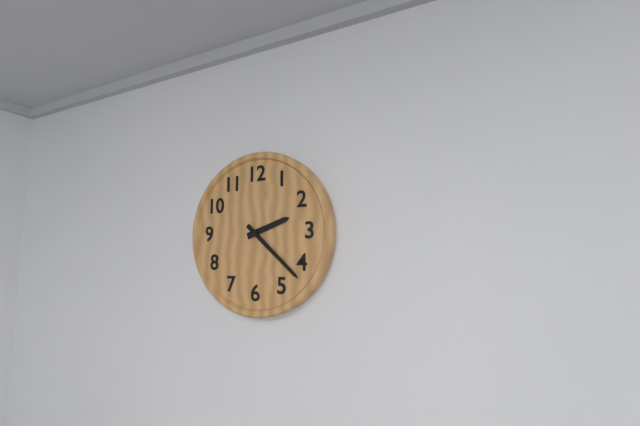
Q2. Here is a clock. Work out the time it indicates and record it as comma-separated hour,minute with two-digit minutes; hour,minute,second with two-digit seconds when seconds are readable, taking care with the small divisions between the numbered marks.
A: 2,22
